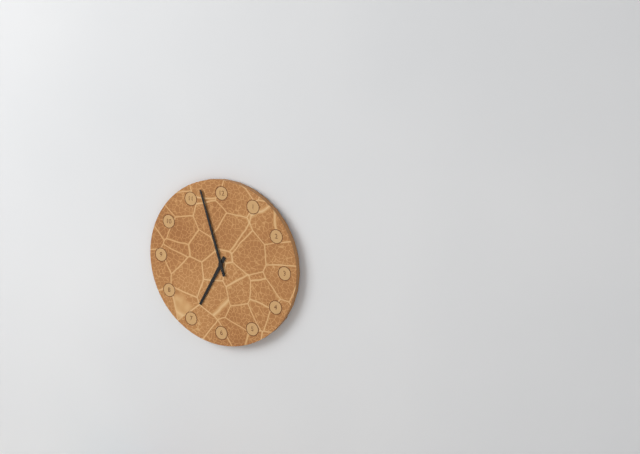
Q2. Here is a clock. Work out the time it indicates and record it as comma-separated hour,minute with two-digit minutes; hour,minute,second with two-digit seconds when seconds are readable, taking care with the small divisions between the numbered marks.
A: 6,57
